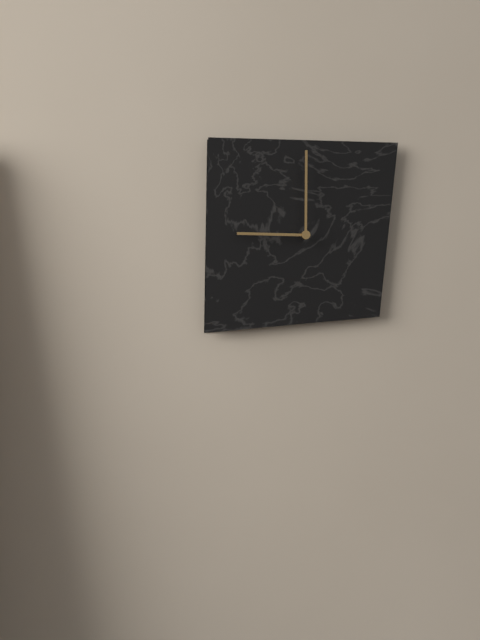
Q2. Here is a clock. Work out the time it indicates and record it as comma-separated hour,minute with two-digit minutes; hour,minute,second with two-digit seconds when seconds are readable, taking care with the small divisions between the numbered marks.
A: 9,00
